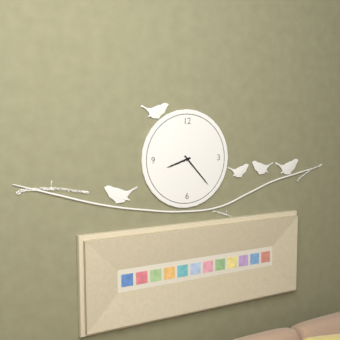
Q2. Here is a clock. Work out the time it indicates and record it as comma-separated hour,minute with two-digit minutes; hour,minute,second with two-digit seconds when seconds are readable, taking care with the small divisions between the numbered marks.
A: 8,23
